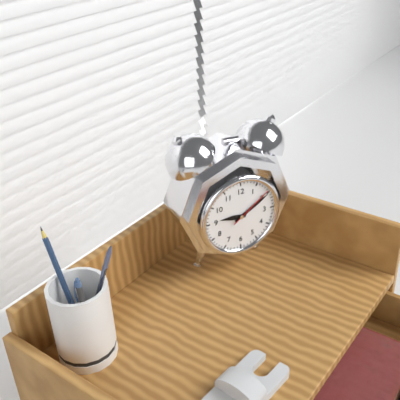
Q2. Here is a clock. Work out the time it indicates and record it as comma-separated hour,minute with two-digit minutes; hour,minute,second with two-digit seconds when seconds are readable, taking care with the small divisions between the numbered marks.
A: 9,10
